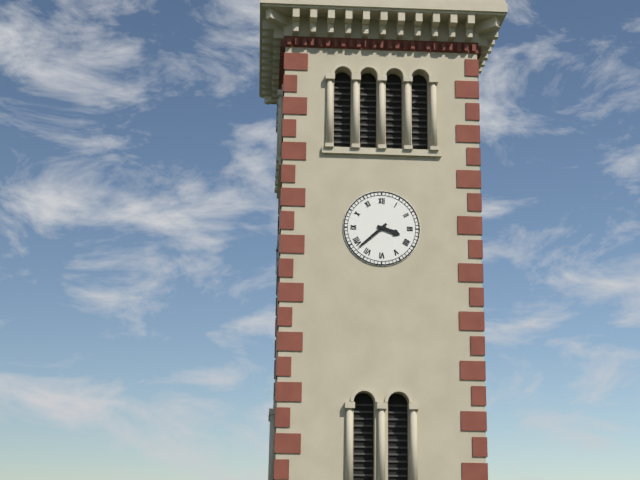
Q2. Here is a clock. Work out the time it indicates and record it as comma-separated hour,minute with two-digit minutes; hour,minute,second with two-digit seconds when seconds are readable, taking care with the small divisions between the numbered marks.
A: 3,38
